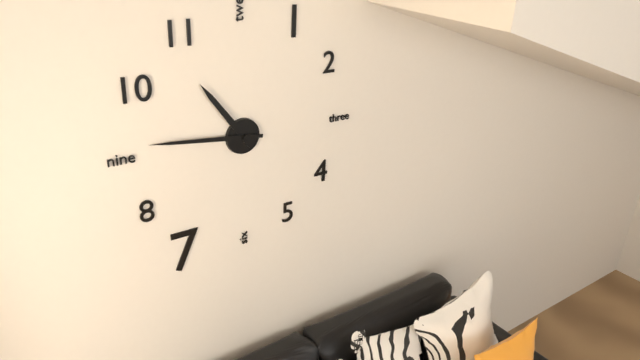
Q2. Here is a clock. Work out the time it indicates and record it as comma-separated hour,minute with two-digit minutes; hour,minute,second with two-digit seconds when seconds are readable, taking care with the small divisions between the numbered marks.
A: 10,46
